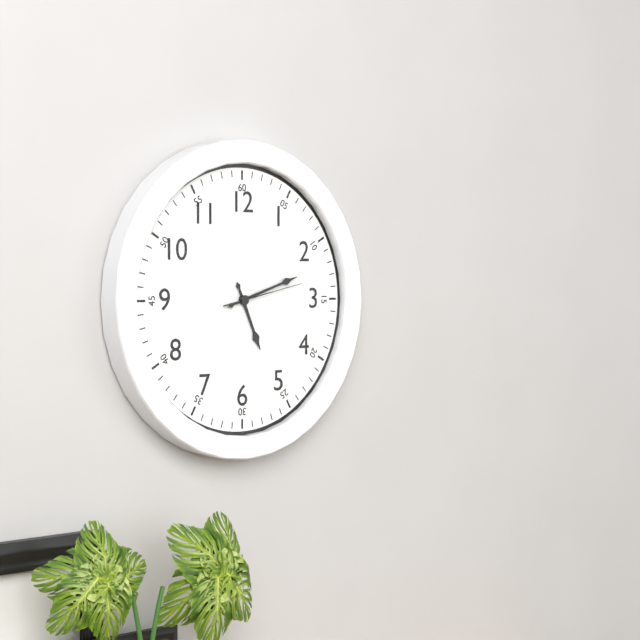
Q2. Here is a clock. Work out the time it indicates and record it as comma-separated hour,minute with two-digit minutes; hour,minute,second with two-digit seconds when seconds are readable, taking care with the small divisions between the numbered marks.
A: 5,12,13
